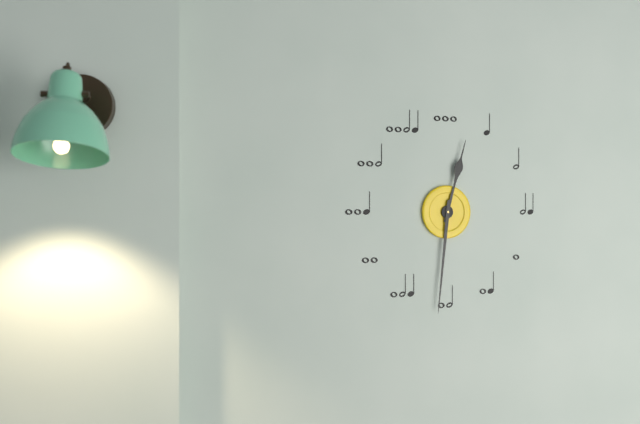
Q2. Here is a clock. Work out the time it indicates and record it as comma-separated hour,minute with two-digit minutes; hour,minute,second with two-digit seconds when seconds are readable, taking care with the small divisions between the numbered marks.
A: 12,31
